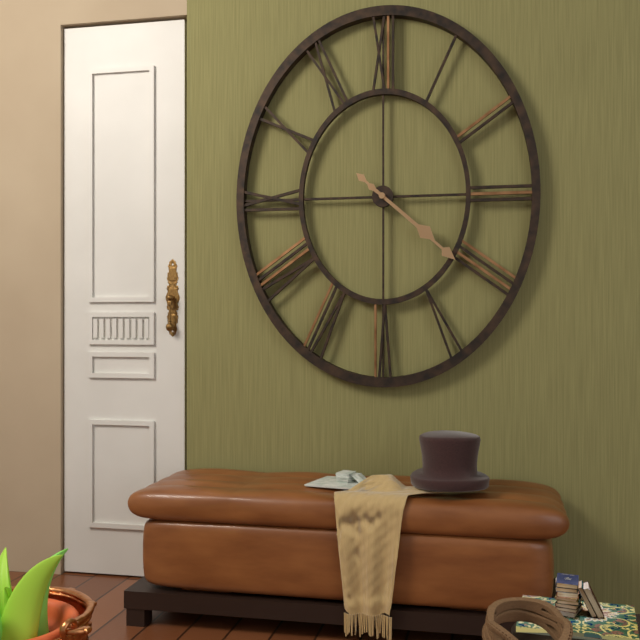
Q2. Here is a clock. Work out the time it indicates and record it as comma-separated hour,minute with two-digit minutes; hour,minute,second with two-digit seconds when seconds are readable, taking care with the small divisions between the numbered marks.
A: 4,22
